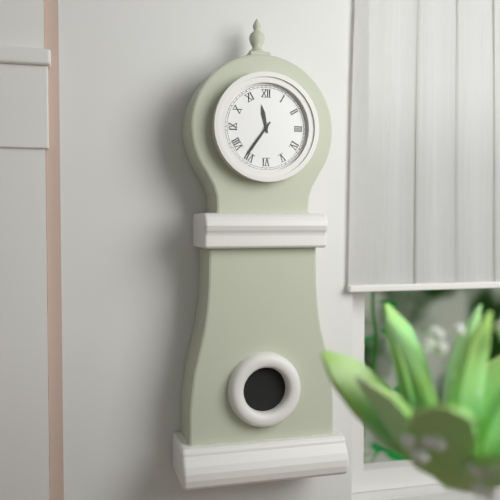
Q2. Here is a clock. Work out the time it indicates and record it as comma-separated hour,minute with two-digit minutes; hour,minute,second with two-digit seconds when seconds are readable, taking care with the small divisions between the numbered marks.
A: 11,36
